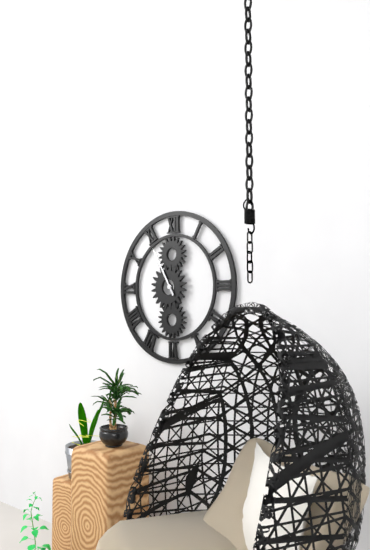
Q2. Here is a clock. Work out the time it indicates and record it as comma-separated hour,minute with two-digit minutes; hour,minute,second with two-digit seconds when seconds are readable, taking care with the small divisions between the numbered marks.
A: 10,55
